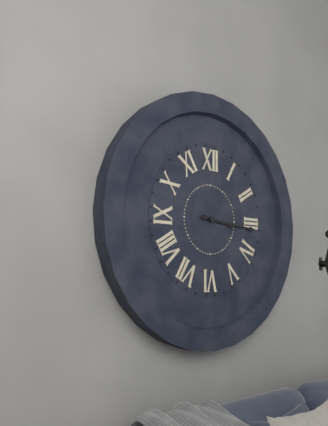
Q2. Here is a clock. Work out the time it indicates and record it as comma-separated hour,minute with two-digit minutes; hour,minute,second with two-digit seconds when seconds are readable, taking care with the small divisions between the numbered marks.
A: 3,16
